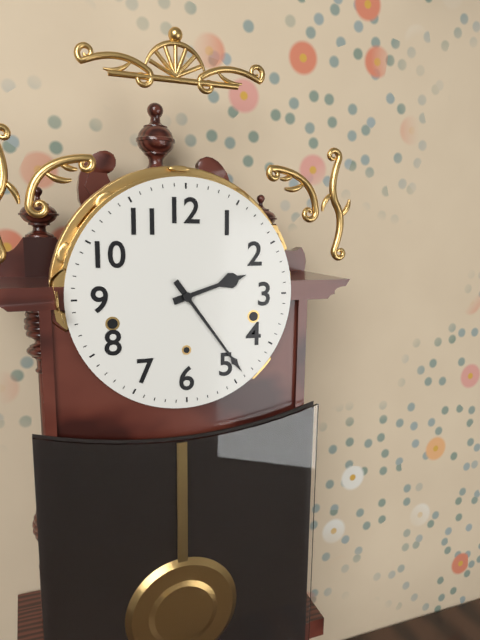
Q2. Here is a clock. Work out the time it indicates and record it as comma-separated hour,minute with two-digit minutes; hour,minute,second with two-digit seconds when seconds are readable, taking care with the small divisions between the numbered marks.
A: 2,24
